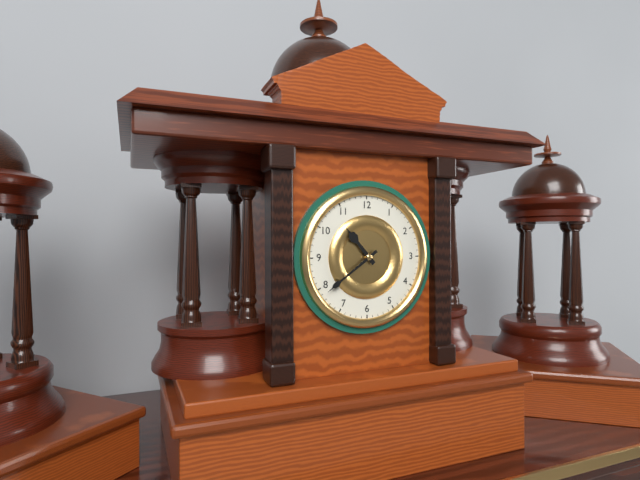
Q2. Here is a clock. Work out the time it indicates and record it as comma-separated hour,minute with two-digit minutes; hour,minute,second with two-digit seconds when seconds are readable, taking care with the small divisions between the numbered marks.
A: 10,39
